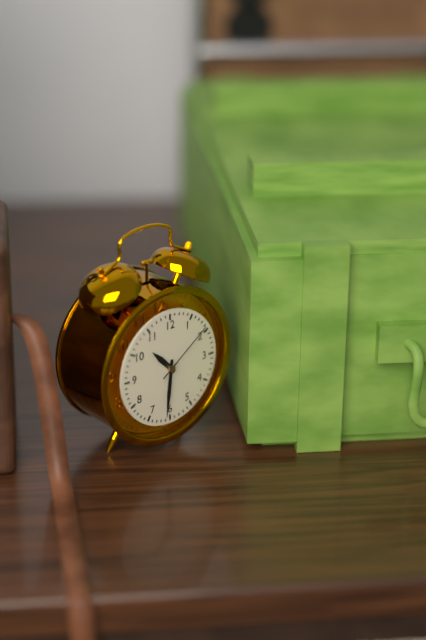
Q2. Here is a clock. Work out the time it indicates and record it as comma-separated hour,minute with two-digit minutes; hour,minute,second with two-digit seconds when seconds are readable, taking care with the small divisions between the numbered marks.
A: 10,31,09
